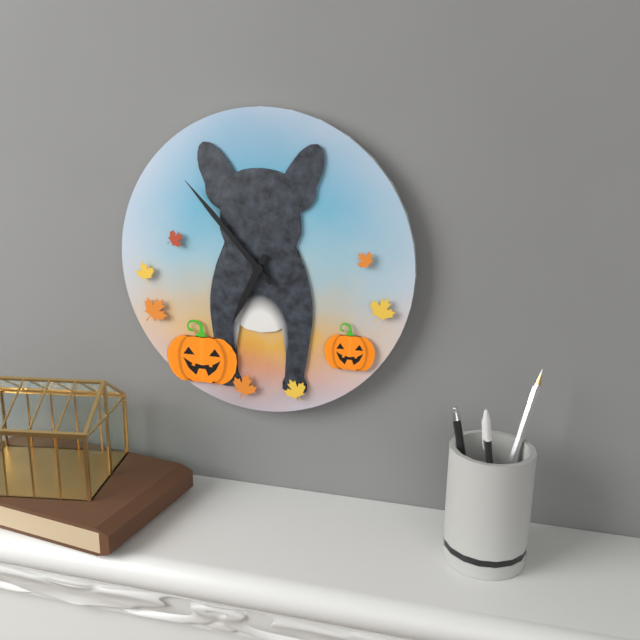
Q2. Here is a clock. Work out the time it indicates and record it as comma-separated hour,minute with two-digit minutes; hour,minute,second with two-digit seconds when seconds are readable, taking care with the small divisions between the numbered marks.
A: 6,53
